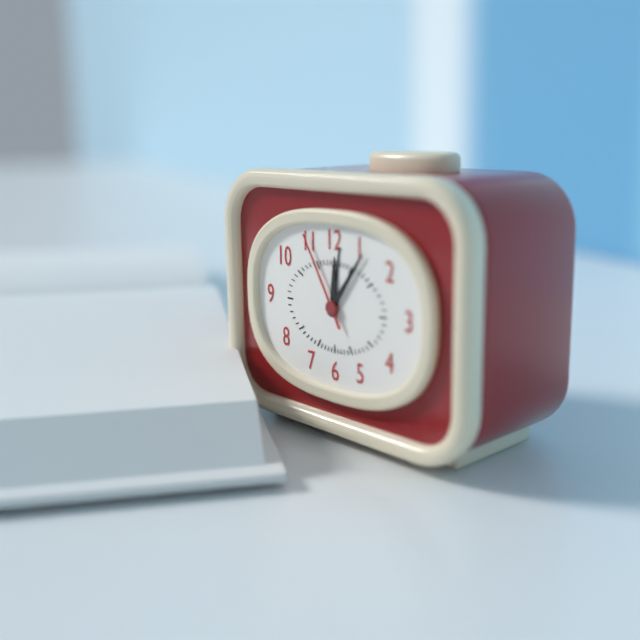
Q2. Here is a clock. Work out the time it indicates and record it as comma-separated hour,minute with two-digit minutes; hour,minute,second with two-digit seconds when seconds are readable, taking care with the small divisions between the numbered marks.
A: 12,06,55
